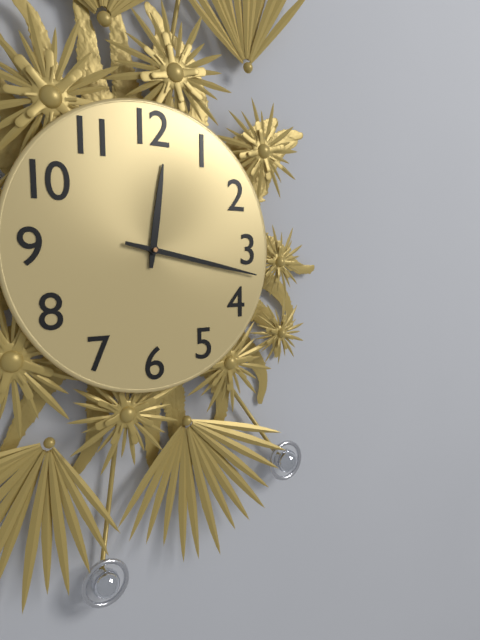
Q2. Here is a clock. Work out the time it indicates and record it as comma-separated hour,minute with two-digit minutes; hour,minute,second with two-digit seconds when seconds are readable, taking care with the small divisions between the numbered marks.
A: 12,17
